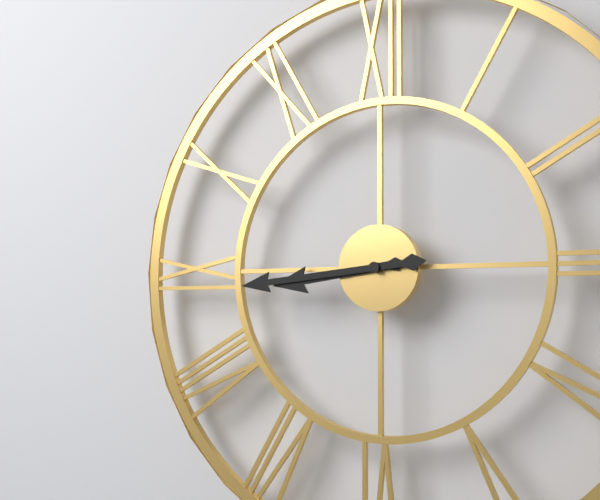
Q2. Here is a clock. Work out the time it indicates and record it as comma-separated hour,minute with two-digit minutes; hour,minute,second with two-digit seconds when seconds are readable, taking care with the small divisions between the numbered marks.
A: 8,44
